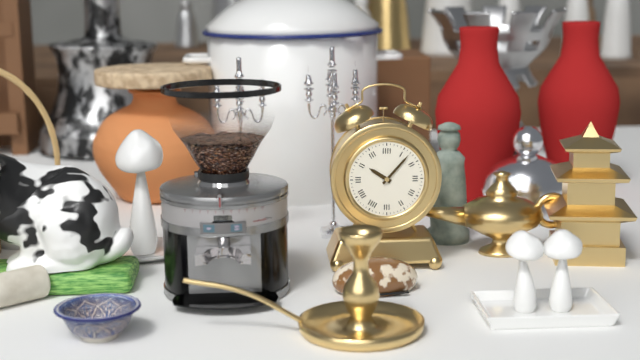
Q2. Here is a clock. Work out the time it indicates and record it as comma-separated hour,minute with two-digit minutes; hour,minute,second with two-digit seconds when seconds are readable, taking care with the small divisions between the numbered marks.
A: 10,07
